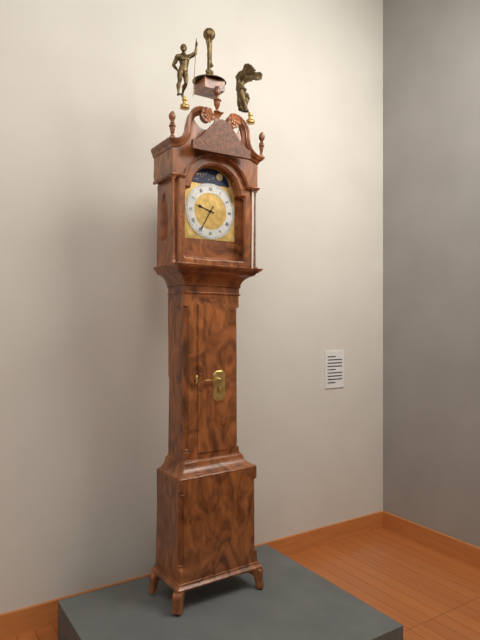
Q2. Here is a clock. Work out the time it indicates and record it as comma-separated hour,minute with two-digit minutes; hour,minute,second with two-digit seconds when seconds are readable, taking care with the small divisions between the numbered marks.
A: 9,35
